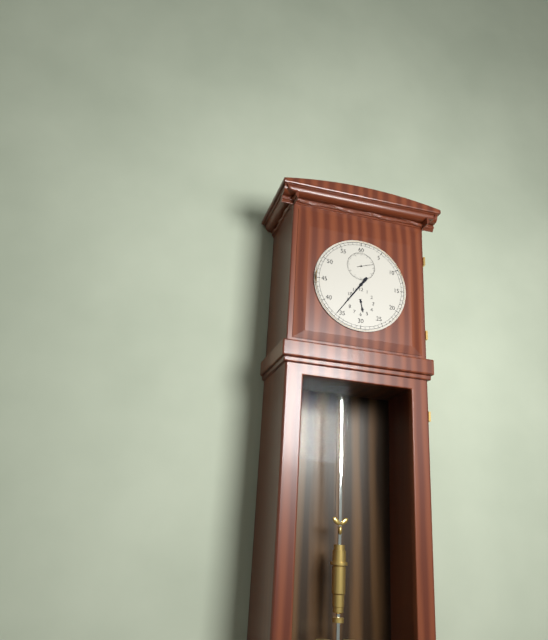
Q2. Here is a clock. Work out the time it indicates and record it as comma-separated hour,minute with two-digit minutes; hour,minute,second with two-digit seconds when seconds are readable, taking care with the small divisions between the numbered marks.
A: 5,36
